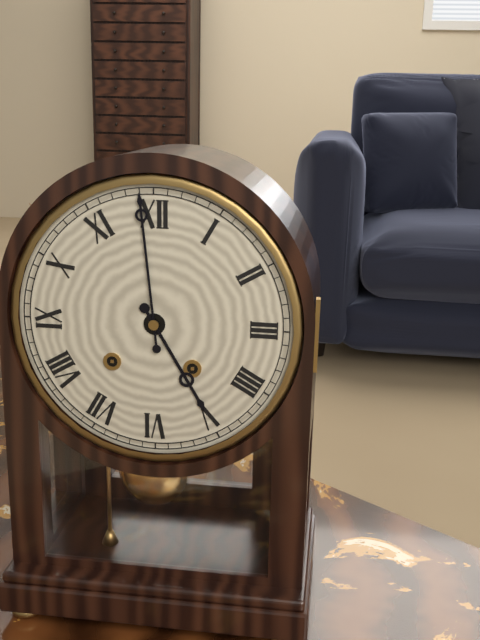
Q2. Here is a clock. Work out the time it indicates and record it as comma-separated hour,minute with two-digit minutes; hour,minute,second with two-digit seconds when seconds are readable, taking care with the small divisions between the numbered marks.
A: 4,59
